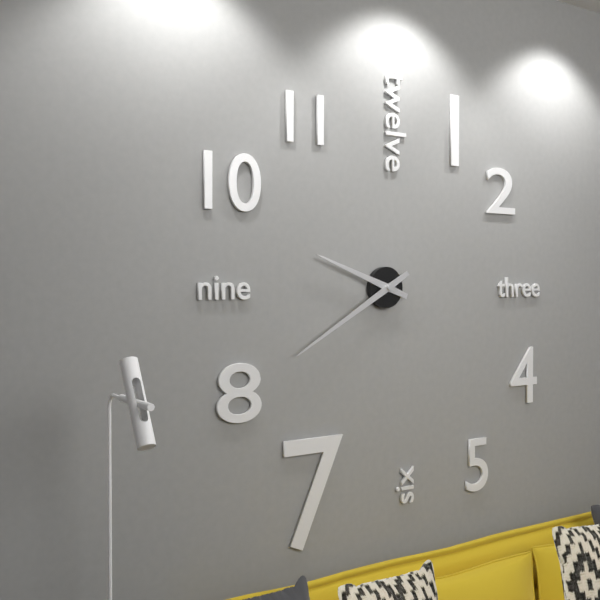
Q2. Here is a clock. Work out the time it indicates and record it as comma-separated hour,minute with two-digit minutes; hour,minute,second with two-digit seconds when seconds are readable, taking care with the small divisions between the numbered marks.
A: 9,40
